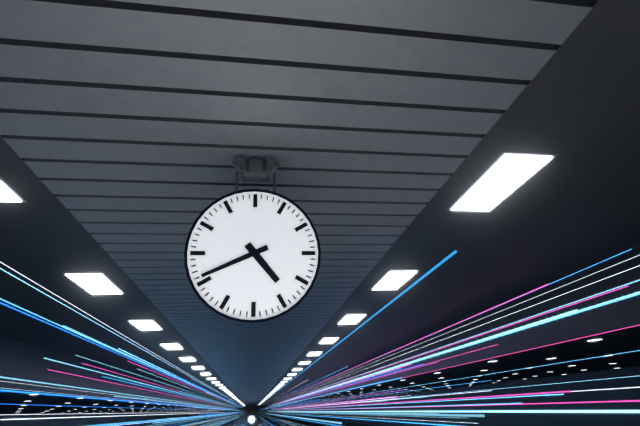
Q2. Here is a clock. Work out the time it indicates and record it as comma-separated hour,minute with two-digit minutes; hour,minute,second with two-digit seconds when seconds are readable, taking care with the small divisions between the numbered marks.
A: 4,41
